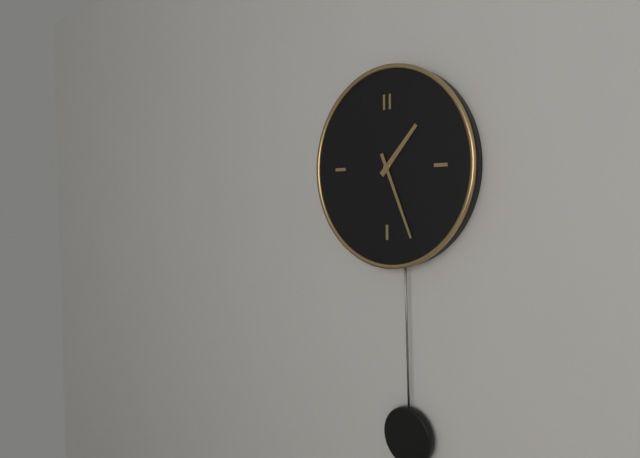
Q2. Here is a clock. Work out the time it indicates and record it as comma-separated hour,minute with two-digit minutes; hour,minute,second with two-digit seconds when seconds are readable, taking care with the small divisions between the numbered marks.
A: 1,26
